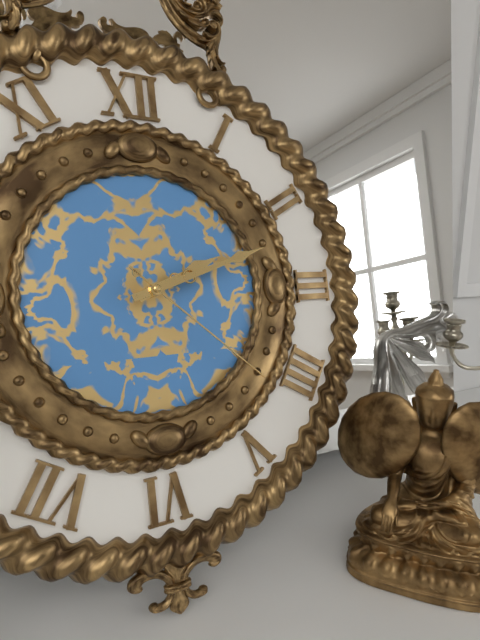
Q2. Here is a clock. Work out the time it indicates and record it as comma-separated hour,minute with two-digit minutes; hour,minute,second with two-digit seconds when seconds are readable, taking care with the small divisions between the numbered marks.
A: 2,12,22
